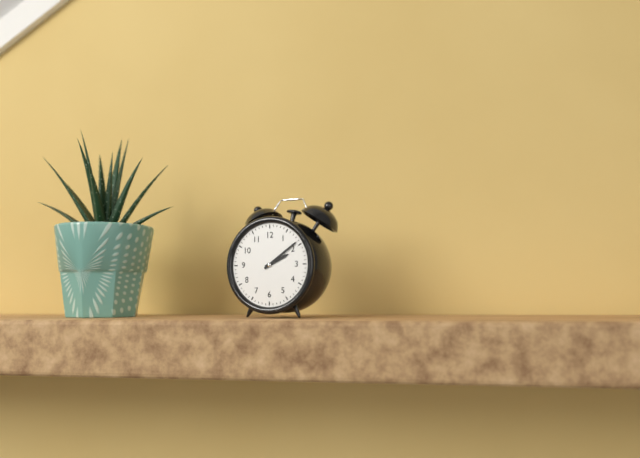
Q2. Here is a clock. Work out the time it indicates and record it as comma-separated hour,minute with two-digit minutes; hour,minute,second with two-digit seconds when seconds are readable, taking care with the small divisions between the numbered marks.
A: 2,09
